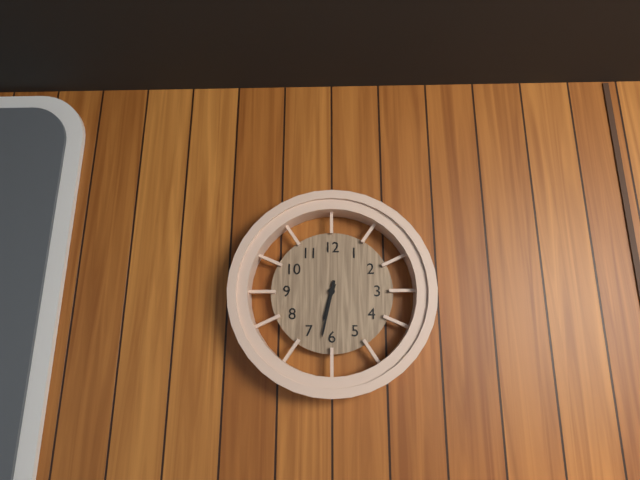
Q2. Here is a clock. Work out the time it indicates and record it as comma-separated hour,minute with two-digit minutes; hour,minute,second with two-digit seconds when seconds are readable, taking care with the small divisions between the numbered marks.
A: 6,32
